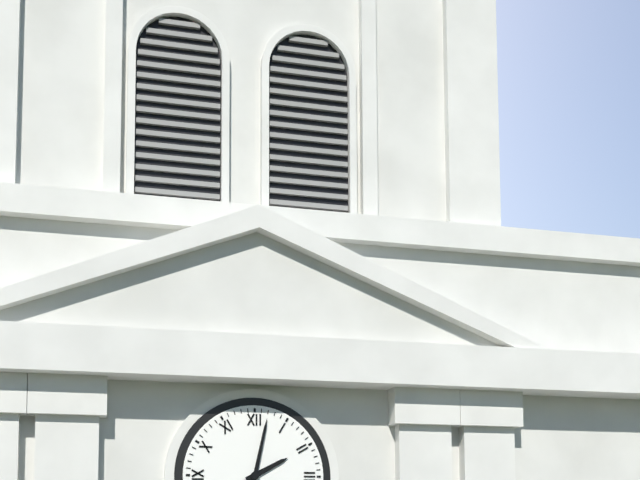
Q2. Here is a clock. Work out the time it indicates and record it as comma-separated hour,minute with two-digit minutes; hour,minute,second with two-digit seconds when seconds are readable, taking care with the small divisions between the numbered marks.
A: 2,02
